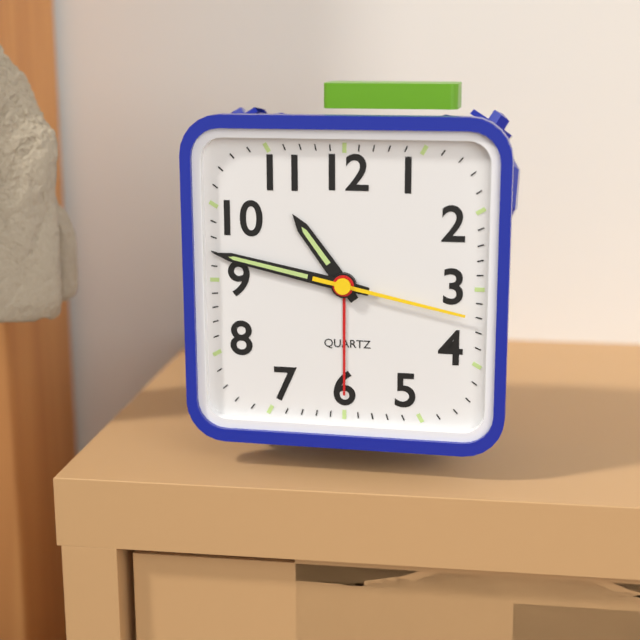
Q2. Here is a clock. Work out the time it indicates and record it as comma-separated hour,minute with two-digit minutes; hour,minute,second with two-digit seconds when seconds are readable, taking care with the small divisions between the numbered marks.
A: 10,47,17
